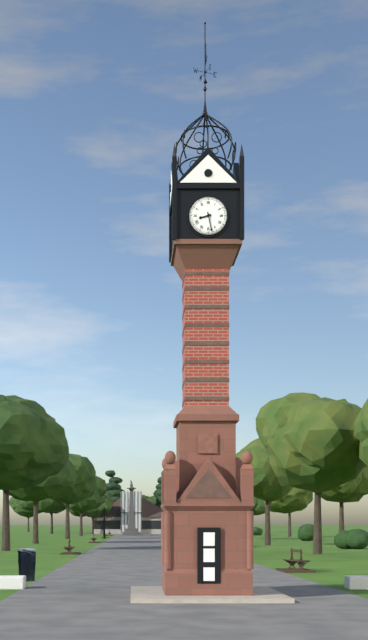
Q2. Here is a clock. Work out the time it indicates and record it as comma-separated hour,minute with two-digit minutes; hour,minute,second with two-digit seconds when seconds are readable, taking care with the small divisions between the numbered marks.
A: 8,28
